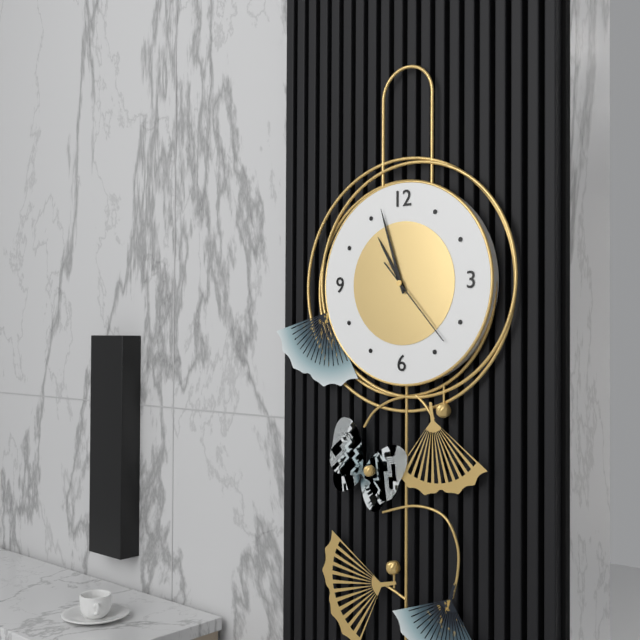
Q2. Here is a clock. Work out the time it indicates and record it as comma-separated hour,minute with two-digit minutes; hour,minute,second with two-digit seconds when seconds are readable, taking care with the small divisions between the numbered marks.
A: 10,57,23
